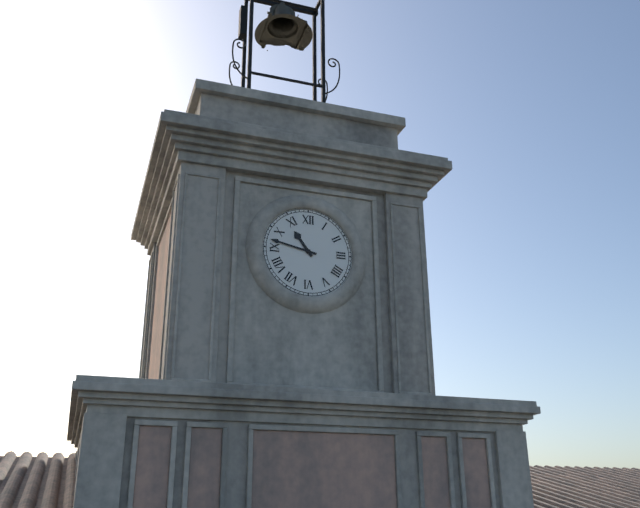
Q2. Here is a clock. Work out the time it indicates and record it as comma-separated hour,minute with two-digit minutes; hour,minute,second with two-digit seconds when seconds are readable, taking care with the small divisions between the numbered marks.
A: 10,47
